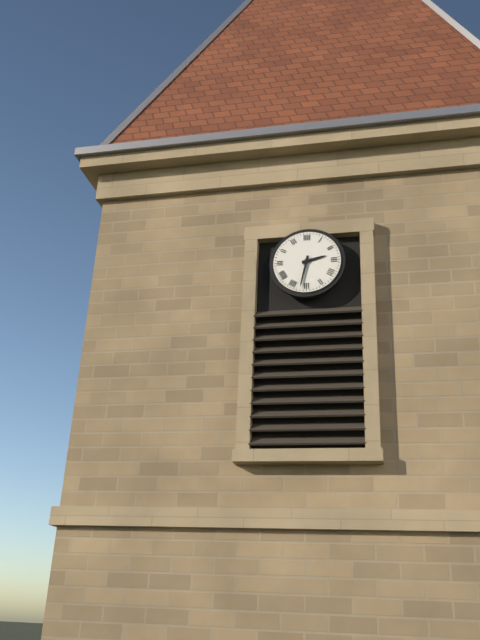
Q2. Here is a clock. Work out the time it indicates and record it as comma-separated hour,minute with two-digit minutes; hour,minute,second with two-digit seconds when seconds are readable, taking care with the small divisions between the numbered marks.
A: 2,32
